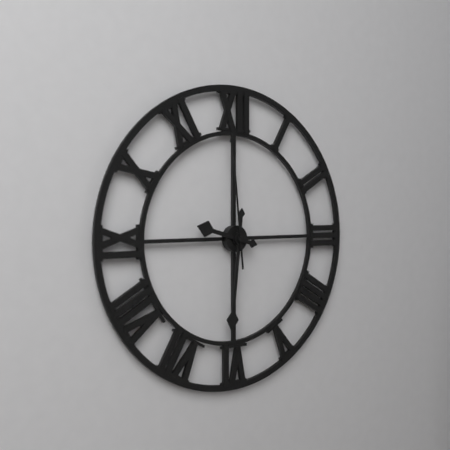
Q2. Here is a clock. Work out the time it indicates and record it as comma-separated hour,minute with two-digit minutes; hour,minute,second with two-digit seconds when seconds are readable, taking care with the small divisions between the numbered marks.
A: 9,31,59
